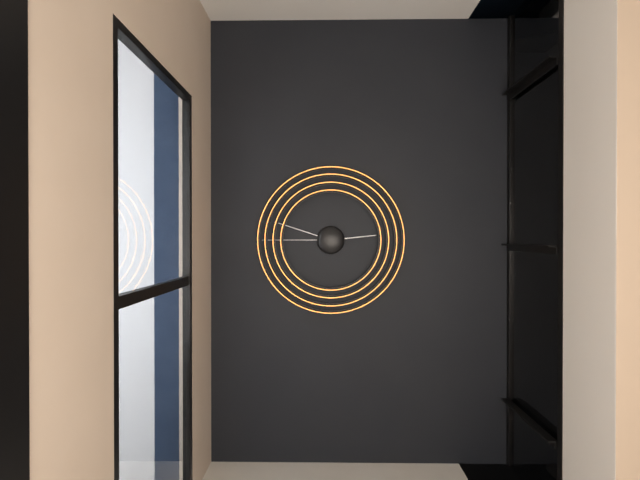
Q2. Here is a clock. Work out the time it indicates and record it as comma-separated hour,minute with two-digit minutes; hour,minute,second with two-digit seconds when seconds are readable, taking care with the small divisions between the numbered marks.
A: 2,48,45
